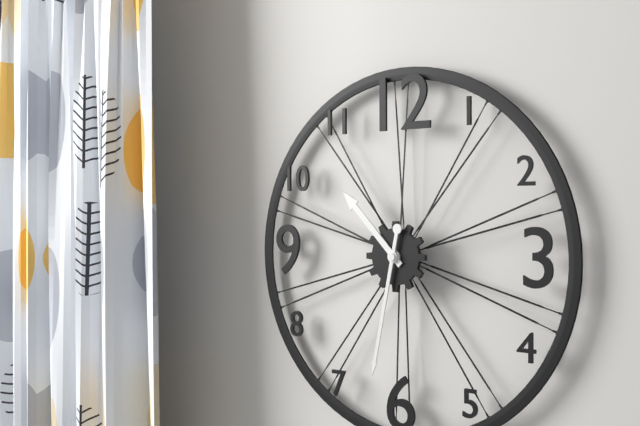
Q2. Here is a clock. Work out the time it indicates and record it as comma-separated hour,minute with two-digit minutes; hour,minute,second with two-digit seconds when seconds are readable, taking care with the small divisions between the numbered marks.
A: 10,32
